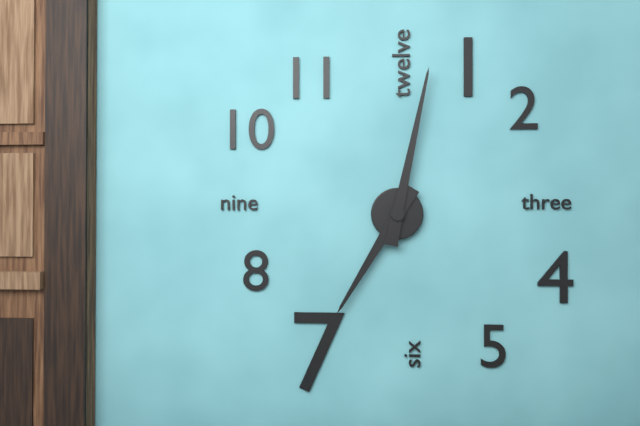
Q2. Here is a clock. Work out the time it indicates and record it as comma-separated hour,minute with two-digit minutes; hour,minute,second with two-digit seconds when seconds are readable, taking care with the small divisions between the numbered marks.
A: 7,02
